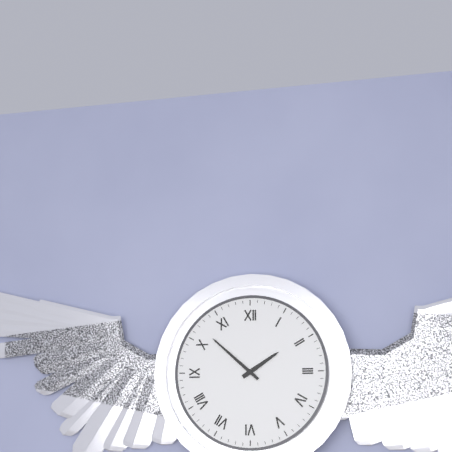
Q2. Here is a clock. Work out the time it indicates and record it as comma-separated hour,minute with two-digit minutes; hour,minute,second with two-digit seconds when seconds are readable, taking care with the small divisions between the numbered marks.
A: 1,52
